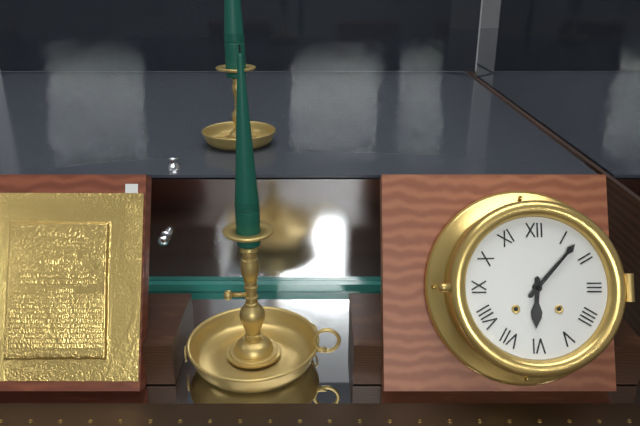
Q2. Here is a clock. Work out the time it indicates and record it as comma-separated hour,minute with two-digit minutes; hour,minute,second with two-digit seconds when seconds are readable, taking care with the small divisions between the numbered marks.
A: 6,07
